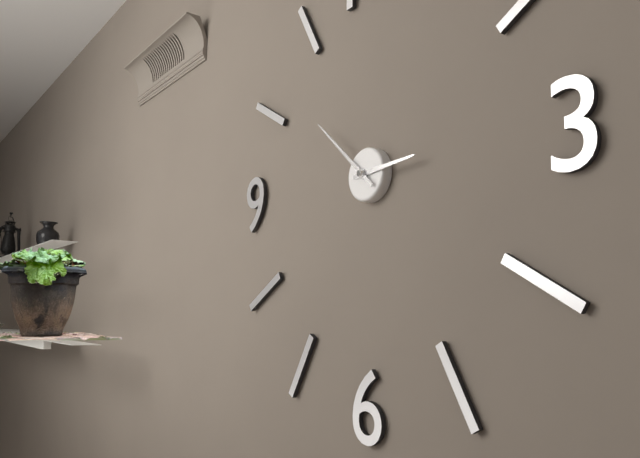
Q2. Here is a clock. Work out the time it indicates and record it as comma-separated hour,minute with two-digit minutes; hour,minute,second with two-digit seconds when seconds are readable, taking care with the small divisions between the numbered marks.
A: 2,52
